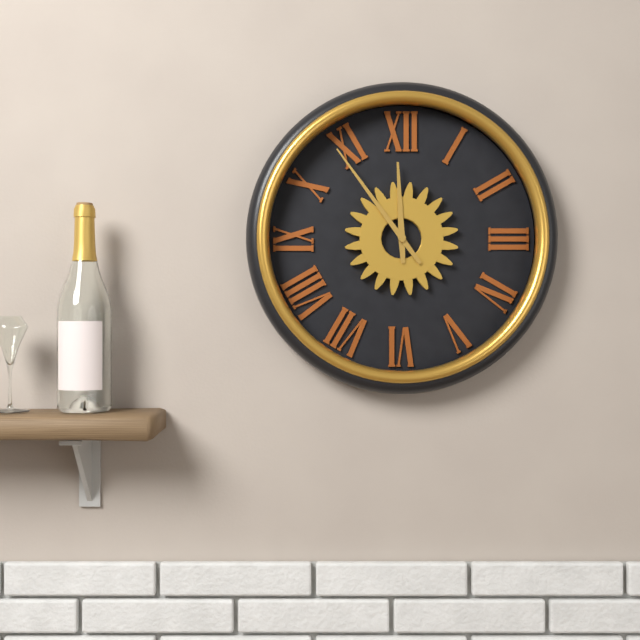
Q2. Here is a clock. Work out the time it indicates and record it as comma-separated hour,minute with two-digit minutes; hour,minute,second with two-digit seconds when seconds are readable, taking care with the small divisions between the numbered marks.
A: 11,54
